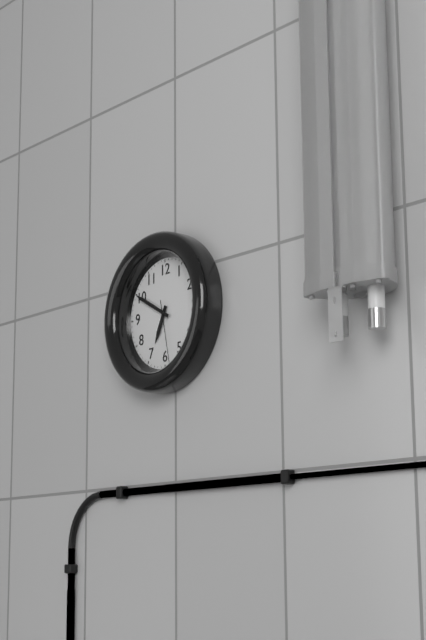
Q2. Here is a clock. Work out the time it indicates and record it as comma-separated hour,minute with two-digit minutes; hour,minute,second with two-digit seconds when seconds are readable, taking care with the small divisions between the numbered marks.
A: 6,50,28
